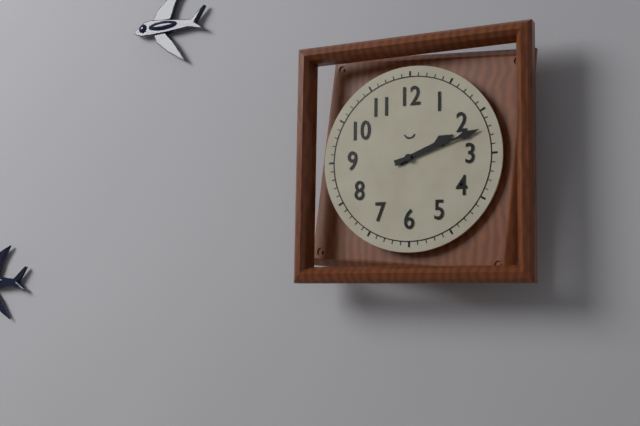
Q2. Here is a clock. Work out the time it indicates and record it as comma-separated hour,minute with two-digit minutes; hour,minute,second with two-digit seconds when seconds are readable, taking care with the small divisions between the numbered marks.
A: 2,12
